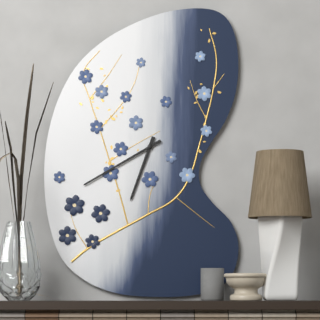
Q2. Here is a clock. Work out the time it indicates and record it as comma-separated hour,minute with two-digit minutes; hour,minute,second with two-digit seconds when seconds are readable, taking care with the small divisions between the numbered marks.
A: 6,40
